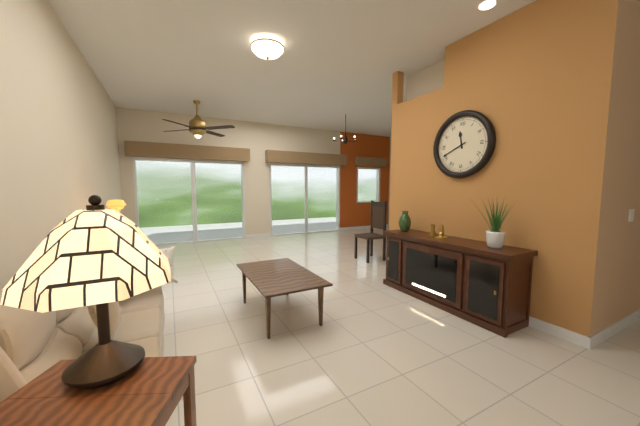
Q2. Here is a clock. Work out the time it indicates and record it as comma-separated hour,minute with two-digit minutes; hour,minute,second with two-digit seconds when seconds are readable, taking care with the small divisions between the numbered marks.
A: 11,41
